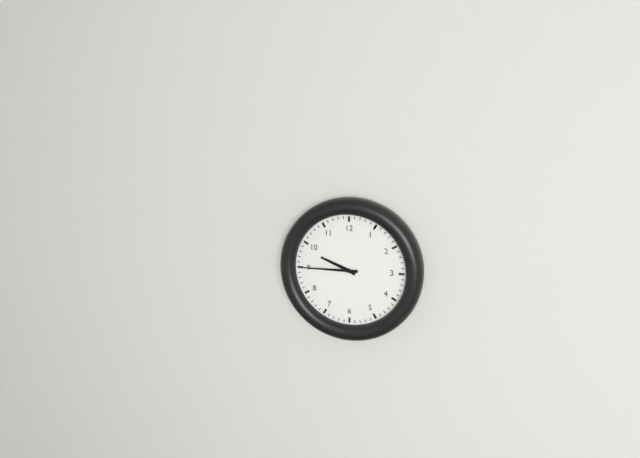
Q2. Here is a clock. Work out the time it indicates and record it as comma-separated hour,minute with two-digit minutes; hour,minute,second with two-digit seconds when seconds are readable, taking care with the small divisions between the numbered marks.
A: 9,45
